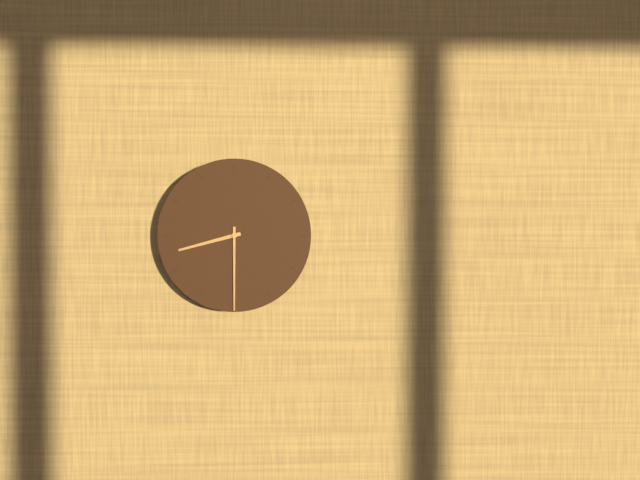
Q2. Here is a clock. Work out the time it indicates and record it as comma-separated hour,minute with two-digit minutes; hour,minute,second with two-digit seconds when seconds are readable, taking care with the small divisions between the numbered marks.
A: 8,30
